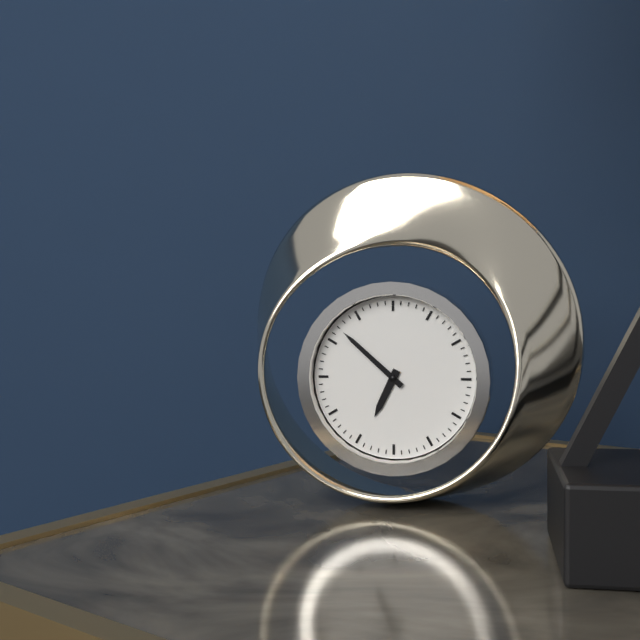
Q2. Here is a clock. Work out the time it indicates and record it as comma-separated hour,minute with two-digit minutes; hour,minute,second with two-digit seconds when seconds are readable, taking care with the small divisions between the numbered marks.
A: 6,52
